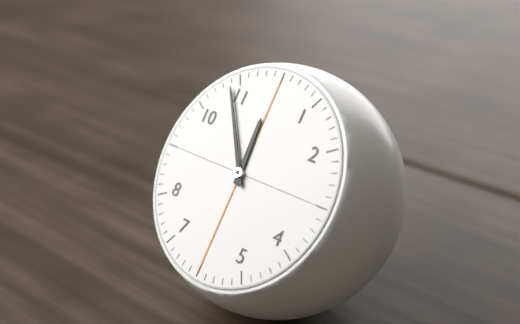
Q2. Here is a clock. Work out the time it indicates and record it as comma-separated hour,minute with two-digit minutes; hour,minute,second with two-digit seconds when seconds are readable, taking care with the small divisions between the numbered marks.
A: 11,54
